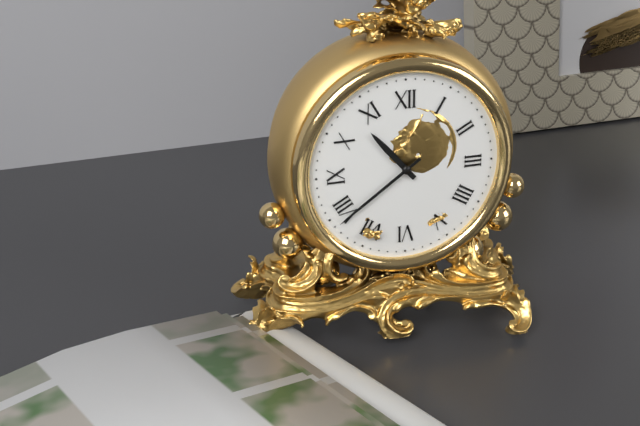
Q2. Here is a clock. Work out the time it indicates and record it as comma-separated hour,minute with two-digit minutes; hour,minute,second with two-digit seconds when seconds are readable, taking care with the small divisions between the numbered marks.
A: 10,39
